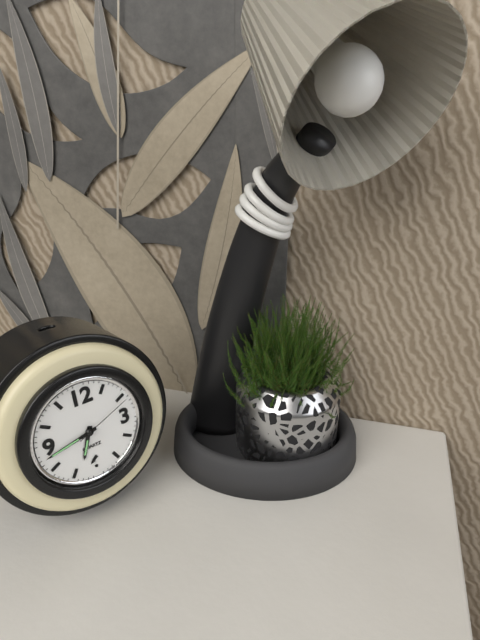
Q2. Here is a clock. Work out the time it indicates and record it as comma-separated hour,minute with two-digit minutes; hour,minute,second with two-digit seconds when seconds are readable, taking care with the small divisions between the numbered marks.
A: 6,43,11
